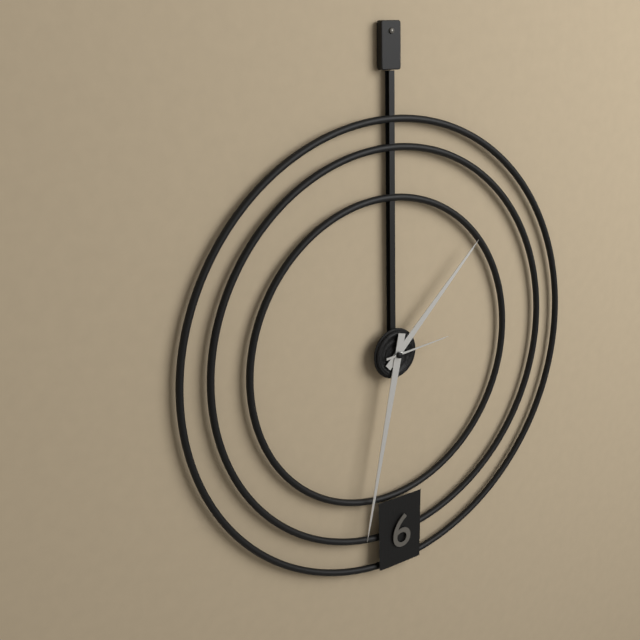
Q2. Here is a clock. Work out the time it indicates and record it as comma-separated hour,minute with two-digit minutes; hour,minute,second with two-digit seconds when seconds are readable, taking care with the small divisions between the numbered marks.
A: 1,32,14
